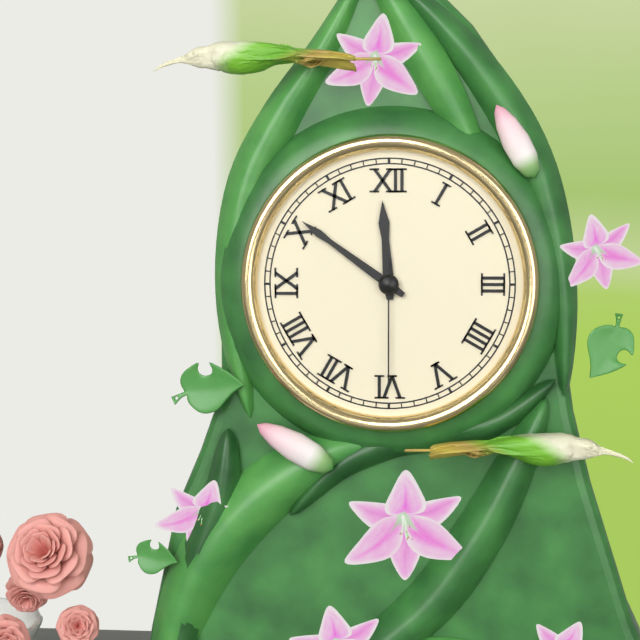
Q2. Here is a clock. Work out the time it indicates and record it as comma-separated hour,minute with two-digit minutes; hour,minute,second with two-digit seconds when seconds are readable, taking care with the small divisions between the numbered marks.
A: 11,51,30
